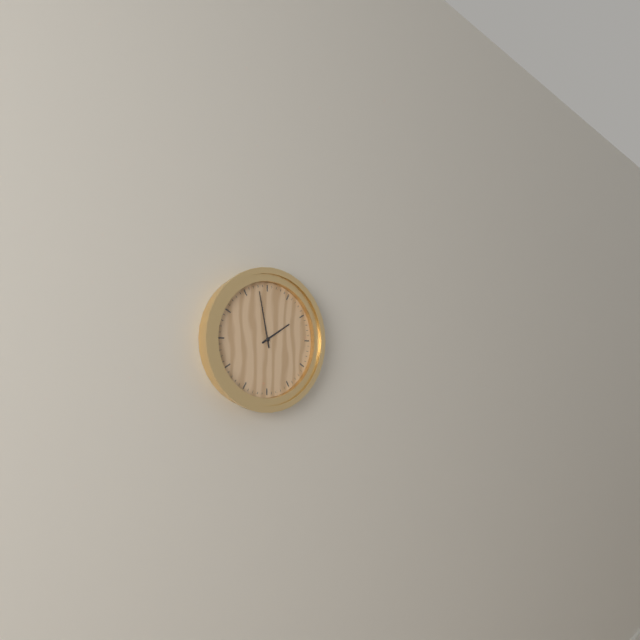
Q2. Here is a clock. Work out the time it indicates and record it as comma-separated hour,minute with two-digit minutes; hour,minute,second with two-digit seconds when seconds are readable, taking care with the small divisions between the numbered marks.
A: 1,58
